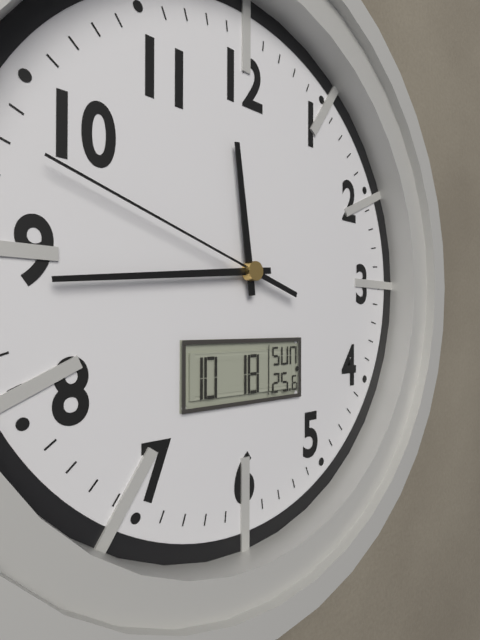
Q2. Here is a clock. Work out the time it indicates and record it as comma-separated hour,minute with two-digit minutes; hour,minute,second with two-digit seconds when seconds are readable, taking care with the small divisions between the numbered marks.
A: 11,44,48
